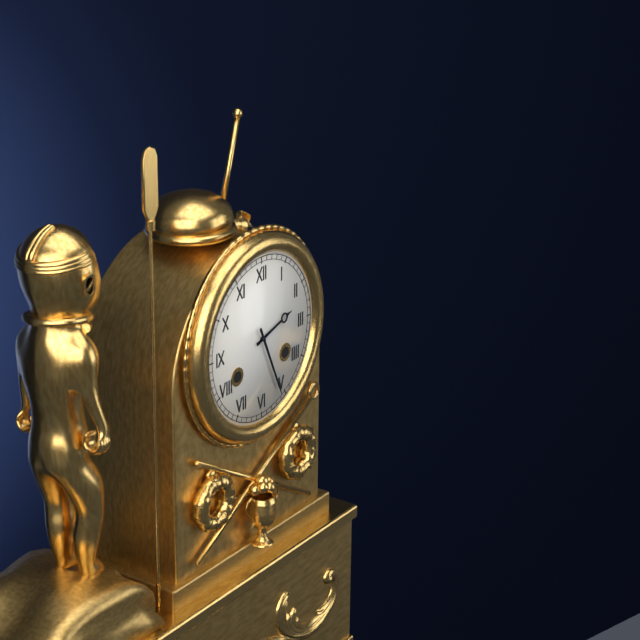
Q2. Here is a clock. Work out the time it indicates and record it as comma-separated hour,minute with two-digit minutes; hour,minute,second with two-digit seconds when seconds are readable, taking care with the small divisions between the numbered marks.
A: 2,26
